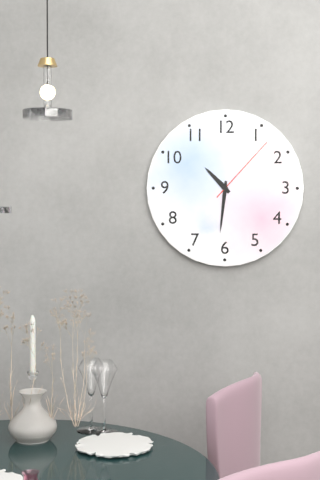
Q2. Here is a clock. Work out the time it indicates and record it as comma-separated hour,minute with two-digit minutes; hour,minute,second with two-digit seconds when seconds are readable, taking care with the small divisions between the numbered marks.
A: 10,31,07
